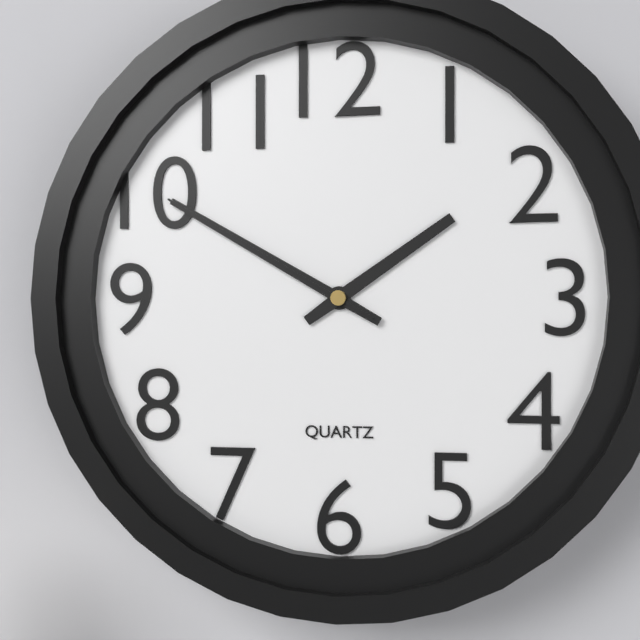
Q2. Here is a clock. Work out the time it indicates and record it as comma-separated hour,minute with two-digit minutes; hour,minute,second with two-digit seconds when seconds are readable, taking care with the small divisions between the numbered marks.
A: 1,50,50
